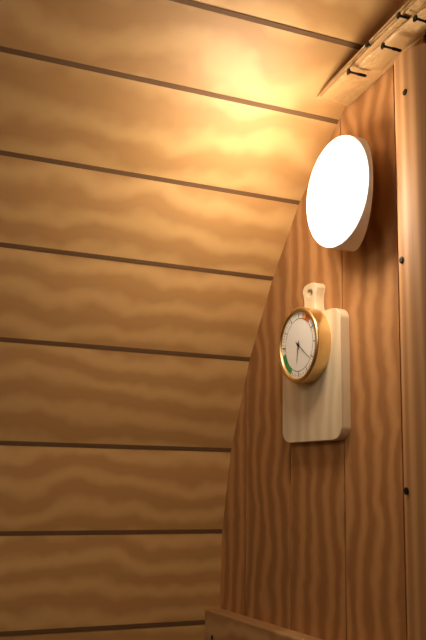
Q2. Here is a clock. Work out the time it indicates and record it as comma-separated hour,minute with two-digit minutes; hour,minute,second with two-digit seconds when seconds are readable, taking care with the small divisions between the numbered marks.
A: 6,21
